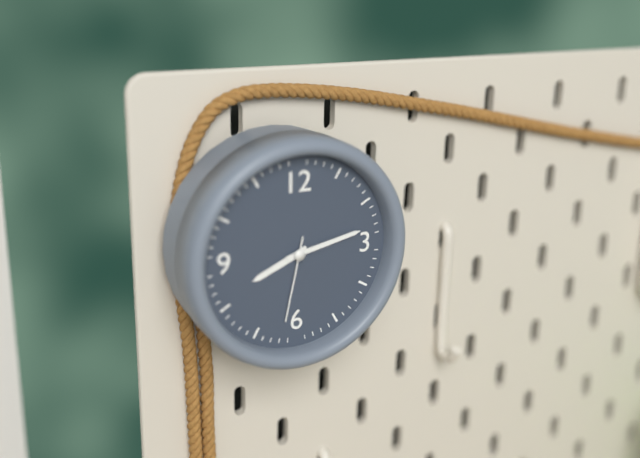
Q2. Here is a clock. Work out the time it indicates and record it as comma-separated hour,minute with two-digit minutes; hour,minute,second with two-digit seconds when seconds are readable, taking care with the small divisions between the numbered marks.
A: 8,13,32
